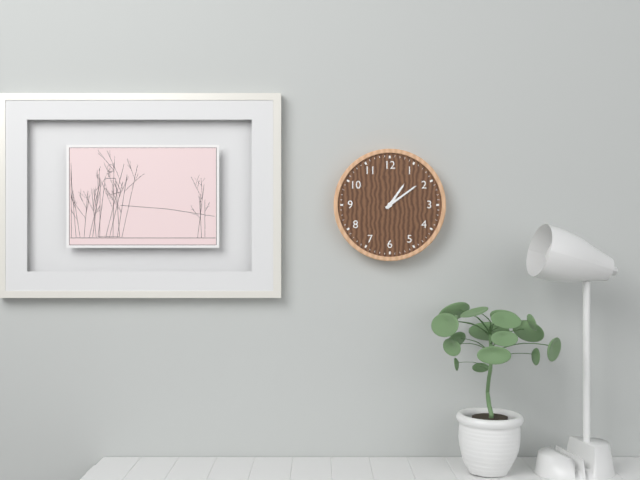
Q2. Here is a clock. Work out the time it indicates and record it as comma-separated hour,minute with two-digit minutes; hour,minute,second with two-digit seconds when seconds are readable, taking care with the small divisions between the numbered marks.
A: 1,09
